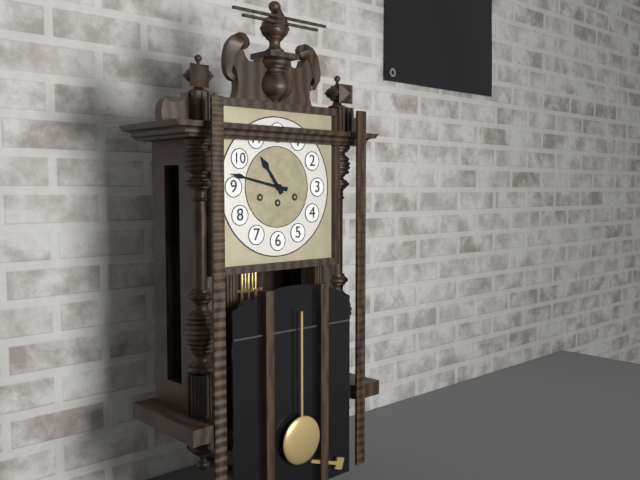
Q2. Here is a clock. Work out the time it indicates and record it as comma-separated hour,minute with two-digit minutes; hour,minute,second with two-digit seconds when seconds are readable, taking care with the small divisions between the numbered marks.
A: 10,47
